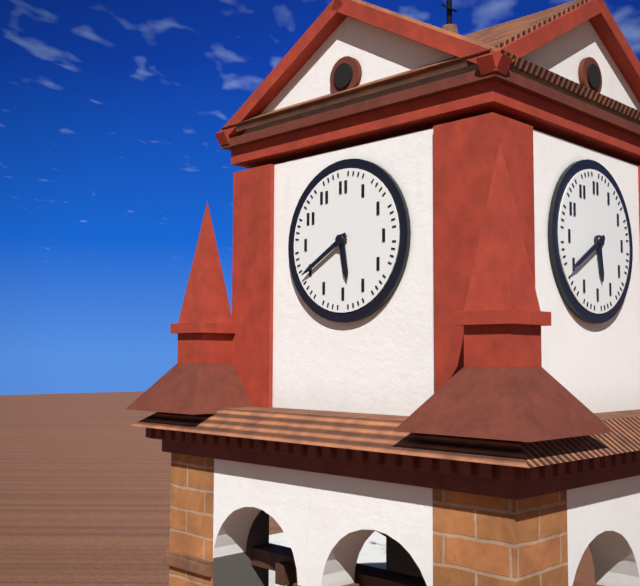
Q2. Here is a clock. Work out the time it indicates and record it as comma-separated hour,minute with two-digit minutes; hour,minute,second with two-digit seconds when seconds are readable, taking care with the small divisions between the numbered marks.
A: 5,40
